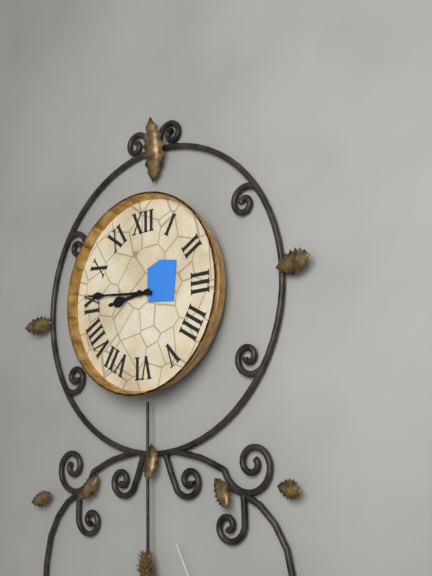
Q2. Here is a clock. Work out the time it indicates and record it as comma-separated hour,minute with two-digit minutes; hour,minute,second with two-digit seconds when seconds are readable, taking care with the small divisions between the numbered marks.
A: 8,46
